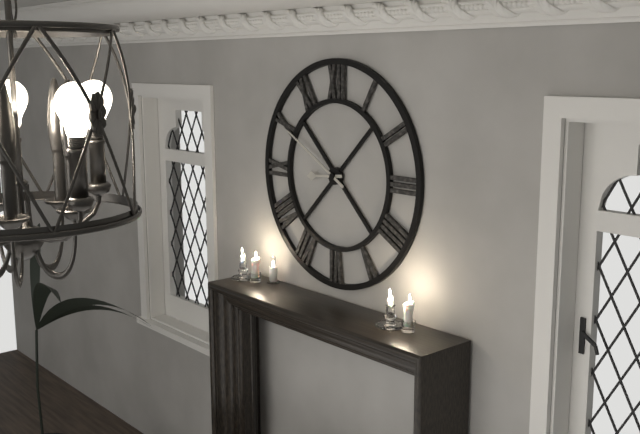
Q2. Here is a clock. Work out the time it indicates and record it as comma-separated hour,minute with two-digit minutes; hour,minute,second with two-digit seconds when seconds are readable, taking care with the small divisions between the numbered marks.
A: 8,50
